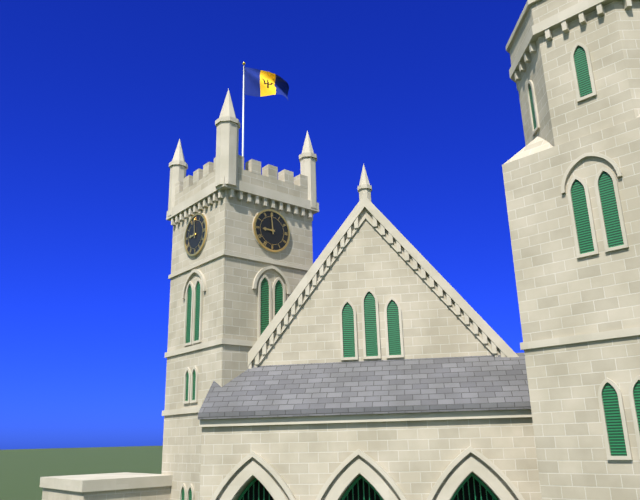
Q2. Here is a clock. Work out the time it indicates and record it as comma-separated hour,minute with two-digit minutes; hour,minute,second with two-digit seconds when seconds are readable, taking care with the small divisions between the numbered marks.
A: 8,59
